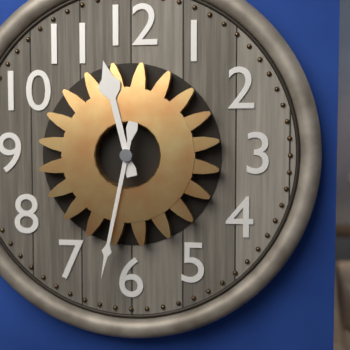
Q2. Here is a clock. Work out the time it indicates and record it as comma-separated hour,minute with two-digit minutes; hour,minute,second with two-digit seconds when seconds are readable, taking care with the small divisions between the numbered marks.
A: 11,32
